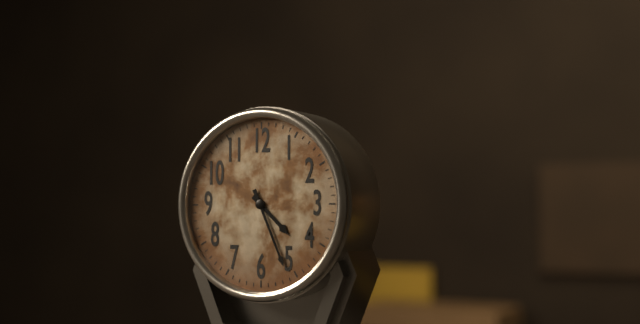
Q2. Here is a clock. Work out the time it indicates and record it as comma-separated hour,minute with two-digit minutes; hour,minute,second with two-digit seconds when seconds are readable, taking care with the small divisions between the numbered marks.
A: 4,26
